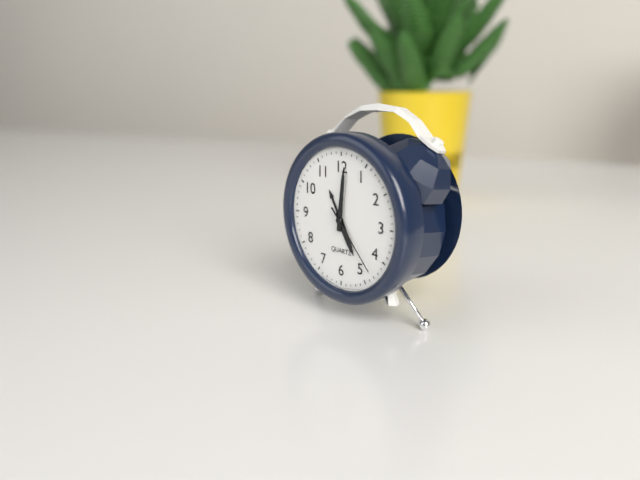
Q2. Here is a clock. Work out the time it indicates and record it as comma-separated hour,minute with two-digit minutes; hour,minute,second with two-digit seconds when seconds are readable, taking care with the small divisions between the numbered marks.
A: 5,01,23
